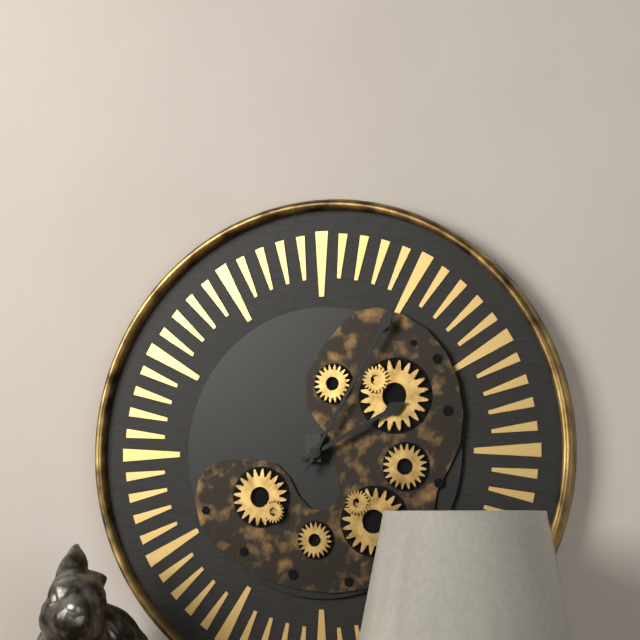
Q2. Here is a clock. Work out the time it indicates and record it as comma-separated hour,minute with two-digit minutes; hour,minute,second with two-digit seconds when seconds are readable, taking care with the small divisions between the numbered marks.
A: 2,05
